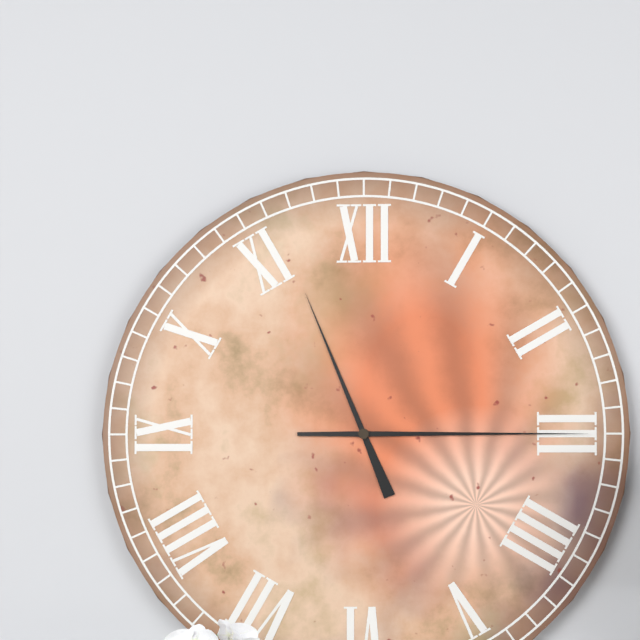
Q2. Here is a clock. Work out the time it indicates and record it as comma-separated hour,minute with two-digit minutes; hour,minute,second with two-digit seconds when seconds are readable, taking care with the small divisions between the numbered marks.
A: 11,15
